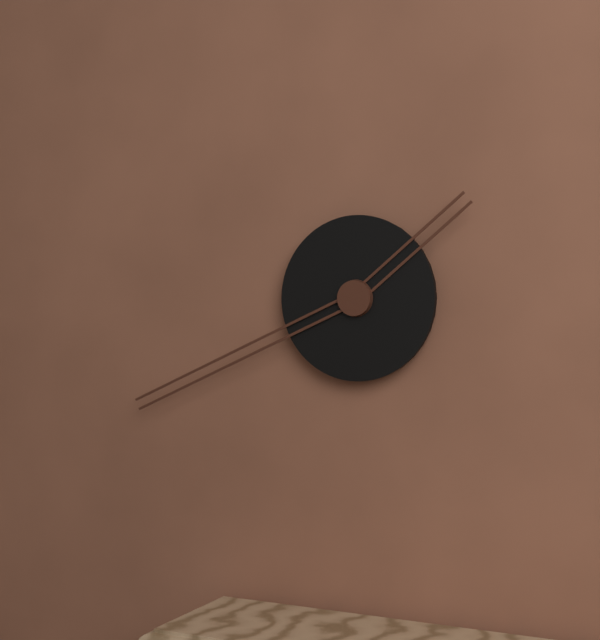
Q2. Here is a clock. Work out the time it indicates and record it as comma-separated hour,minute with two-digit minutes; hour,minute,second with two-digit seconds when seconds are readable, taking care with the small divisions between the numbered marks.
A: 1,41
